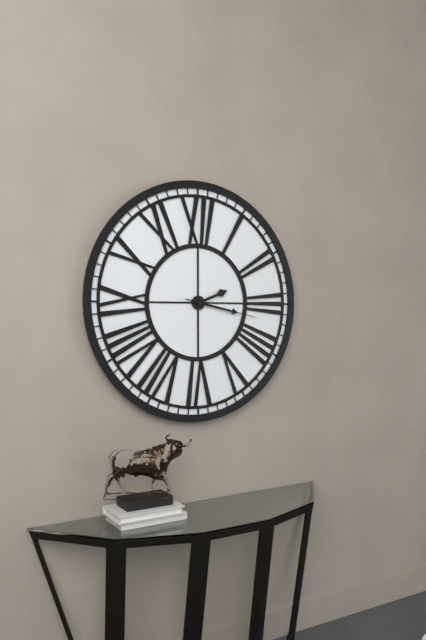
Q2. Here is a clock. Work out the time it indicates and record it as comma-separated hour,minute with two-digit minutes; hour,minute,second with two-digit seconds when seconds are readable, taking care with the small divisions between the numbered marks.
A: 2,17,17
